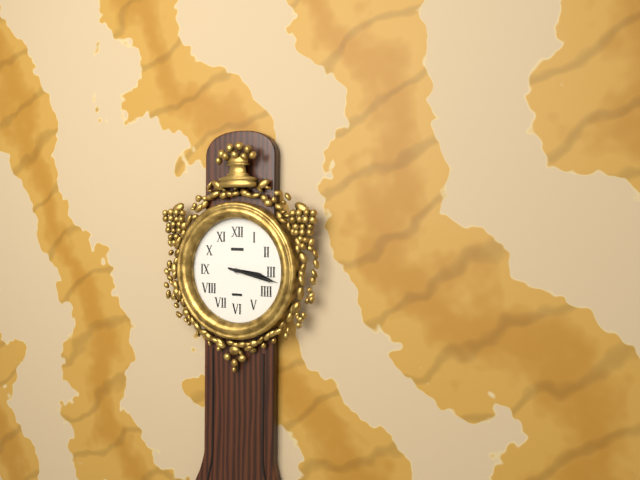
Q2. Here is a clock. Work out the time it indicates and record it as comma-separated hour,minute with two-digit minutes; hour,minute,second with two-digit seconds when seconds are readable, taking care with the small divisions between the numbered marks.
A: 3,17
